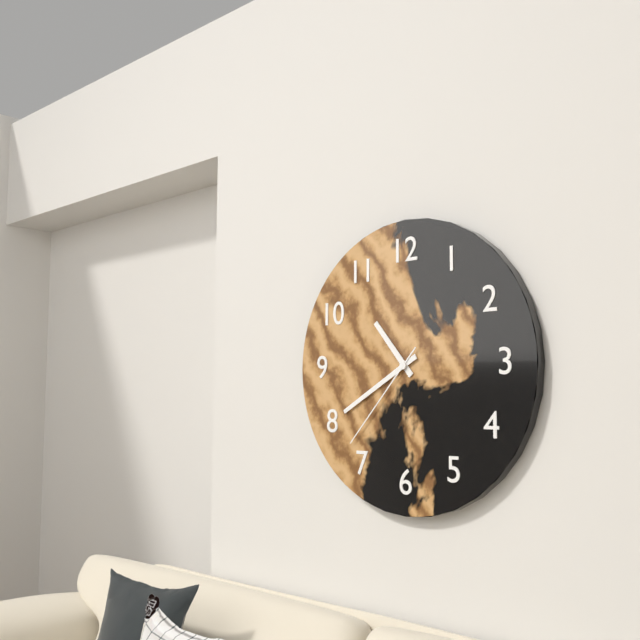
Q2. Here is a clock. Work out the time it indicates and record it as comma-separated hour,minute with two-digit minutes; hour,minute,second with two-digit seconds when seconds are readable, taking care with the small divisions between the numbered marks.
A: 10,40,37
